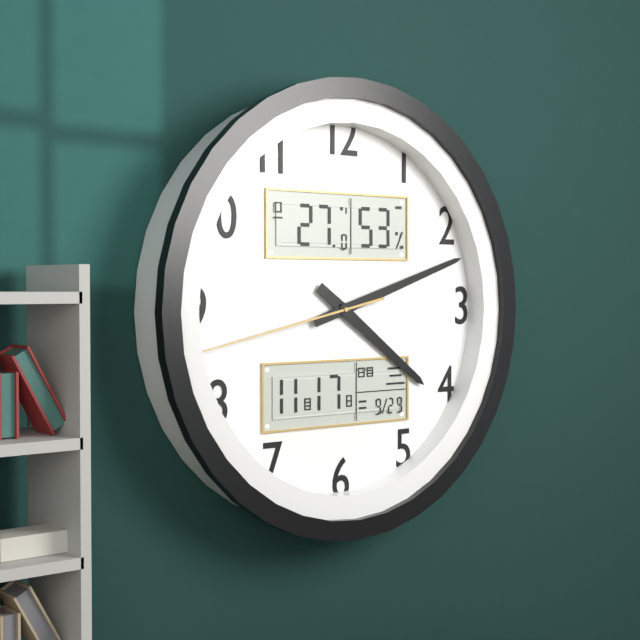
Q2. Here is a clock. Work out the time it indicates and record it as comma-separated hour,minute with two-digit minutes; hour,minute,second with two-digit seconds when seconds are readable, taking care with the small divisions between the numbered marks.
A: 4,12,43
